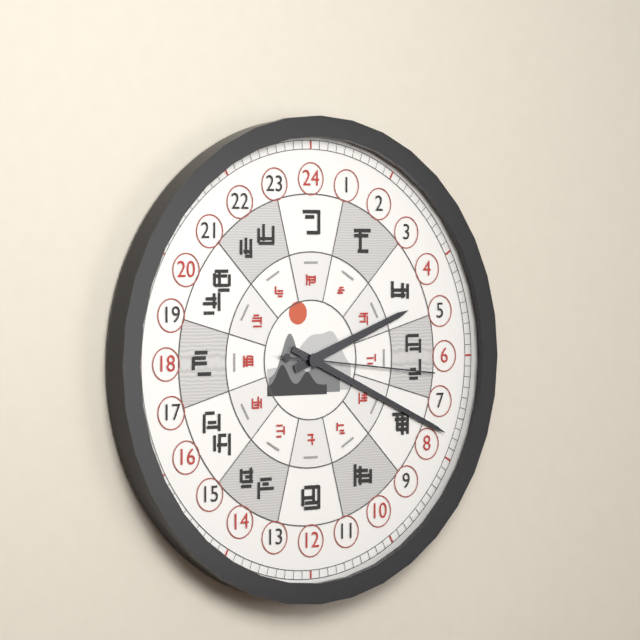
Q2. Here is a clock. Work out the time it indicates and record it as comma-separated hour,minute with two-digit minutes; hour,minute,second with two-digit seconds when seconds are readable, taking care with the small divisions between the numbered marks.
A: 2,19,16
